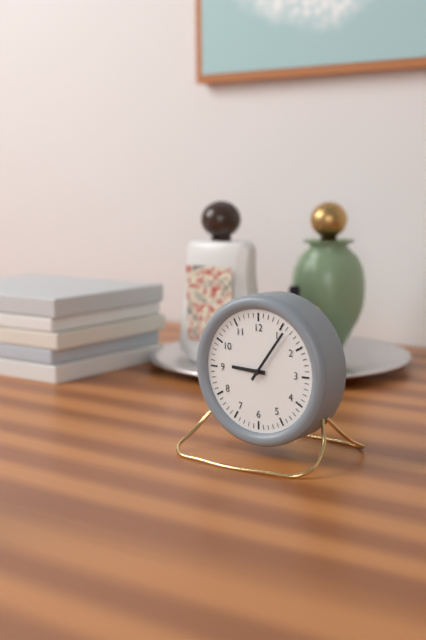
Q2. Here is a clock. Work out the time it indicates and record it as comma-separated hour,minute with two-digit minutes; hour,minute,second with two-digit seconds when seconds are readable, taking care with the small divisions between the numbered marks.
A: 9,06
